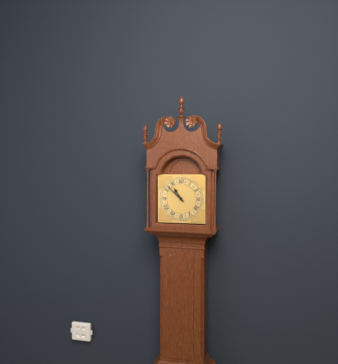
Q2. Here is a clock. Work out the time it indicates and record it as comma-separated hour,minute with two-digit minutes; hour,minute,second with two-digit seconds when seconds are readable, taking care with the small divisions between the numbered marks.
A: 10,52
